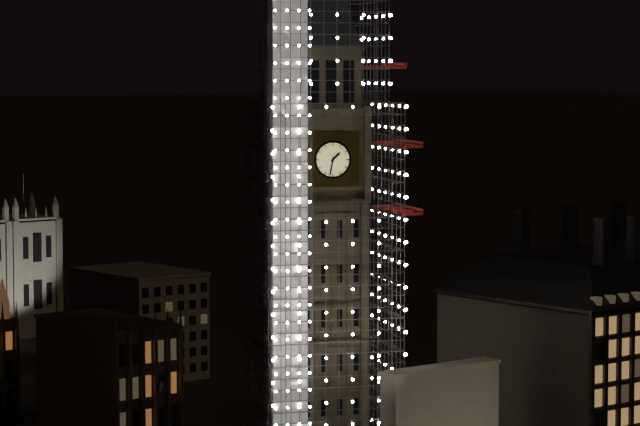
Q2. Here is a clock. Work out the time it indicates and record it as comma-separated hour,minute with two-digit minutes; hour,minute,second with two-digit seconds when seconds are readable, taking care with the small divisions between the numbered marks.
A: 1,32
